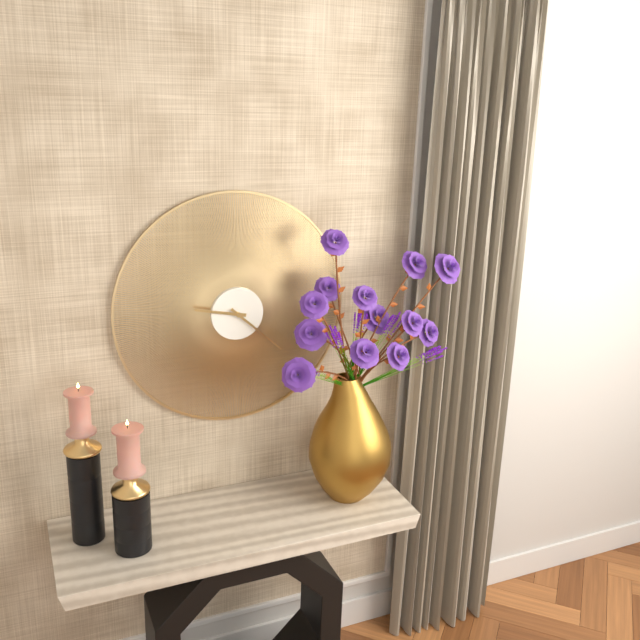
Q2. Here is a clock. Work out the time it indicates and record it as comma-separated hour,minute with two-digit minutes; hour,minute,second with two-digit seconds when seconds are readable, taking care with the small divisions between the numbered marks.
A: 9,22
